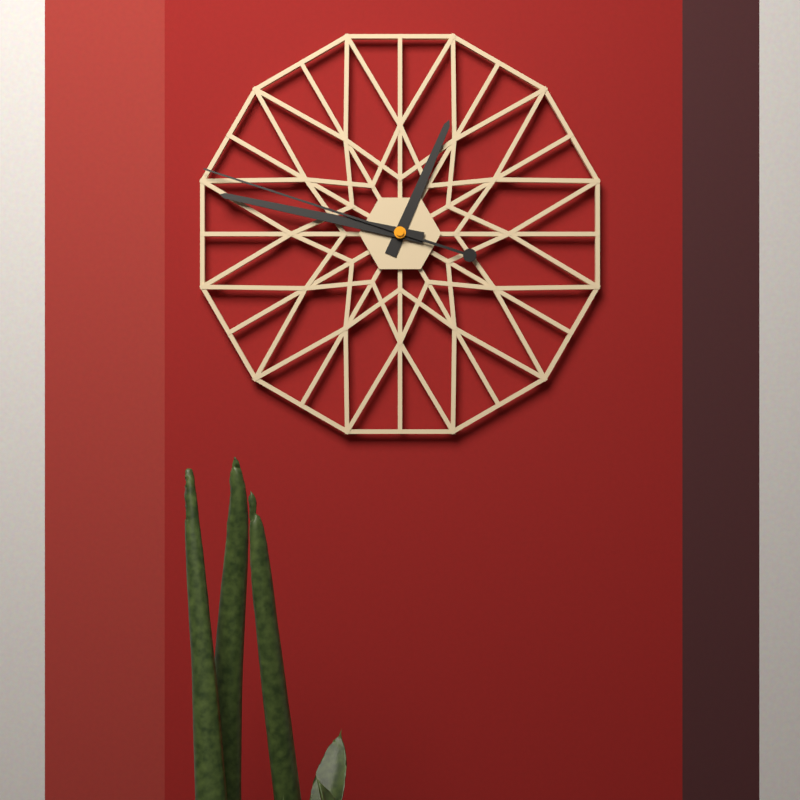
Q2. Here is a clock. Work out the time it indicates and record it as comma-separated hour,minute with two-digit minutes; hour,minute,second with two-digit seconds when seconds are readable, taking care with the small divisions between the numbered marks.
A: 12,47,48
